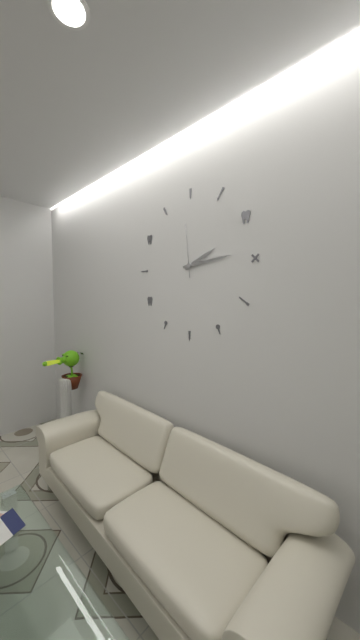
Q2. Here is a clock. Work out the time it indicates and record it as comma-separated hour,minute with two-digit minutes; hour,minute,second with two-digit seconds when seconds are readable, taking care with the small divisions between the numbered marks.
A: 2,14,59
